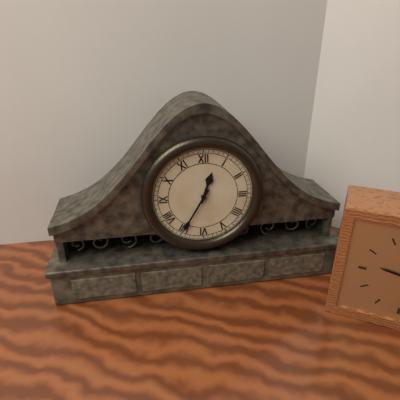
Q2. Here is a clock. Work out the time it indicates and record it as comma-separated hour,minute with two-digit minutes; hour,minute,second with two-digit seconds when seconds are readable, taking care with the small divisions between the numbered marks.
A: 12,35
